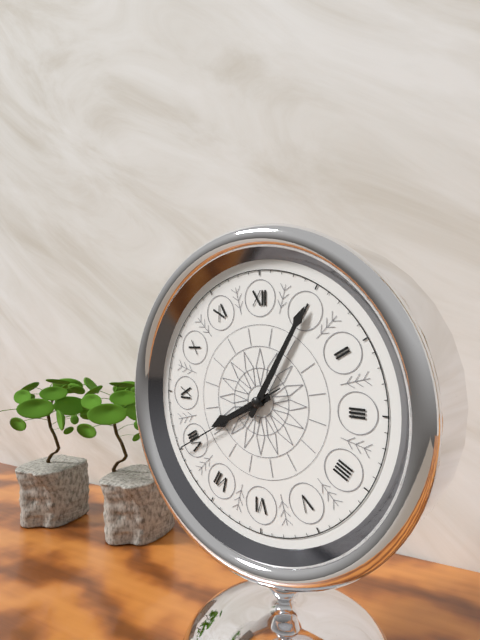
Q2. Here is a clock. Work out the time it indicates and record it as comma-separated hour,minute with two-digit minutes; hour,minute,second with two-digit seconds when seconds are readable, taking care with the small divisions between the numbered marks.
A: 8,05,40
